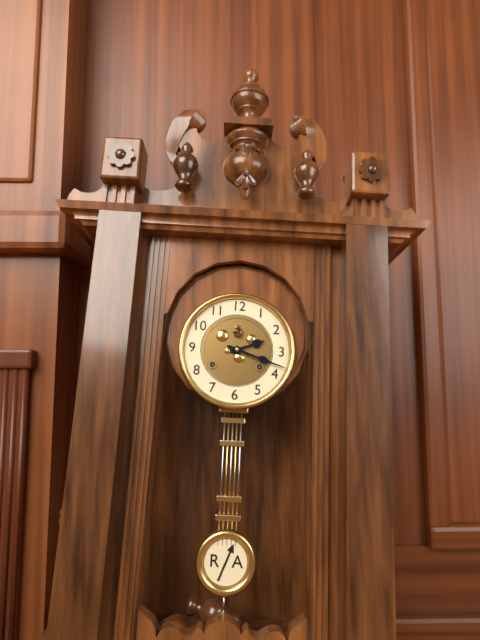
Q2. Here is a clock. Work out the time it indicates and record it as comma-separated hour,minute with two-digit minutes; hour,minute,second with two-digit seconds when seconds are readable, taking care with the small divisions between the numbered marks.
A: 2,18
